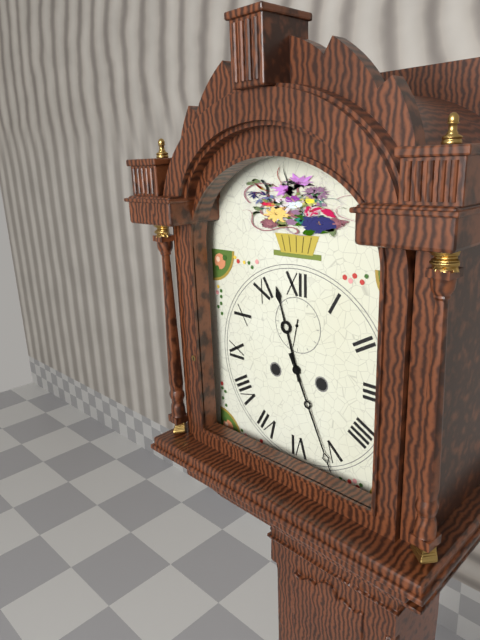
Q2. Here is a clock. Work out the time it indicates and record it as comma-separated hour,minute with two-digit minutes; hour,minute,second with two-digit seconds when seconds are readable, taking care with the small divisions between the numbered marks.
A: 11,26
